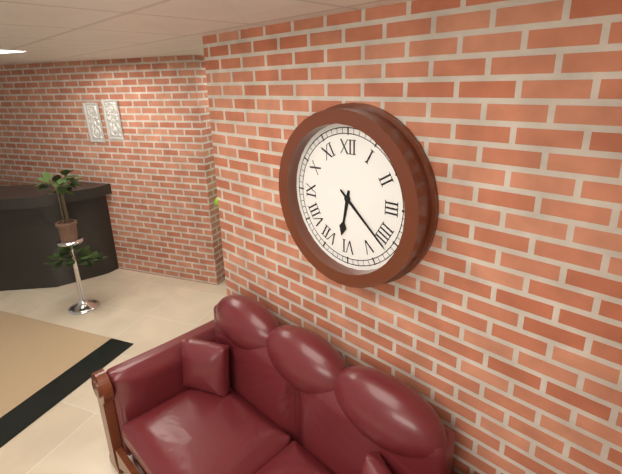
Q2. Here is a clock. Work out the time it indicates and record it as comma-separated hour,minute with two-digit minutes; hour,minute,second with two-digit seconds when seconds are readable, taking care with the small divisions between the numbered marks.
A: 6,22
